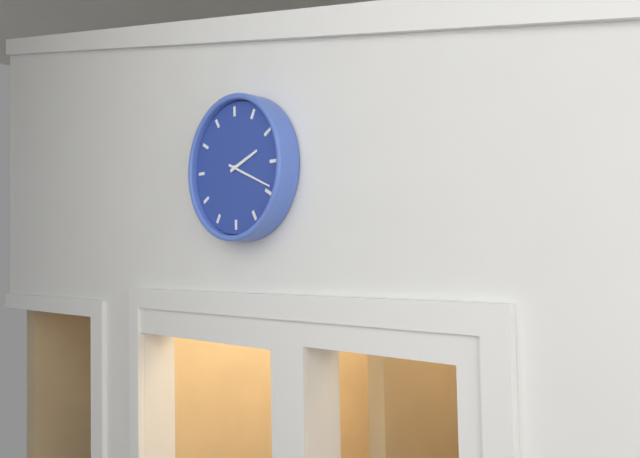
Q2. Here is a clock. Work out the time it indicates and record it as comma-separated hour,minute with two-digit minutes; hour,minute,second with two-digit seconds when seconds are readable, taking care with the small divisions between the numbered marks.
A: 2,19
